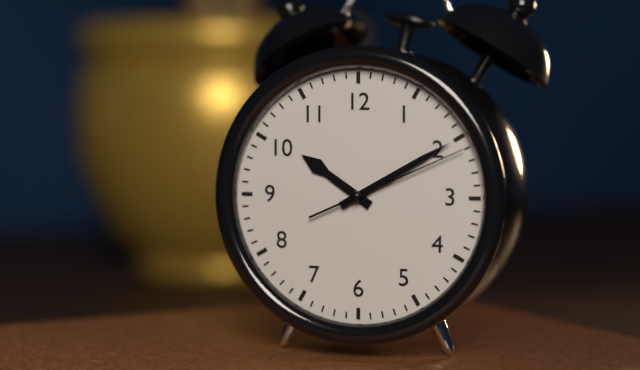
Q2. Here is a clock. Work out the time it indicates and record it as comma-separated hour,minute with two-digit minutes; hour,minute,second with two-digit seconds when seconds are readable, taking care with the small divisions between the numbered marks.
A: 10,10,11
